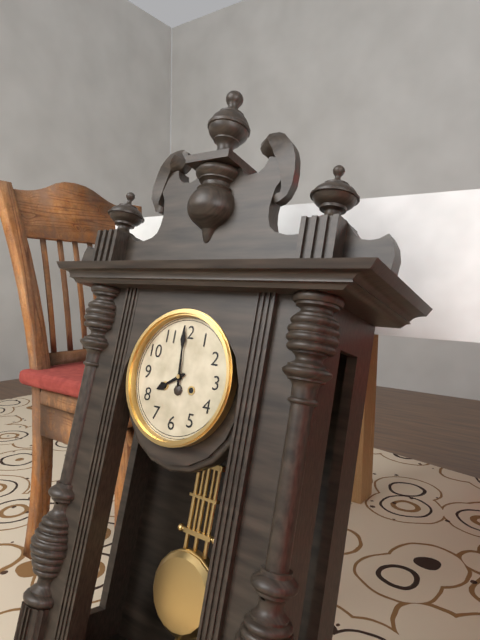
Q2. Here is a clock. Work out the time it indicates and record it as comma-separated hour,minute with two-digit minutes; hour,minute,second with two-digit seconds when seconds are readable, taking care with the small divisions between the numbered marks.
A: 7,59
